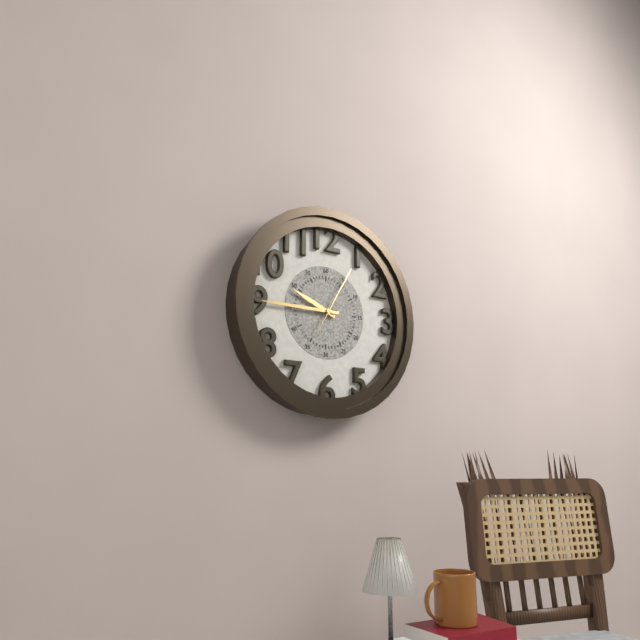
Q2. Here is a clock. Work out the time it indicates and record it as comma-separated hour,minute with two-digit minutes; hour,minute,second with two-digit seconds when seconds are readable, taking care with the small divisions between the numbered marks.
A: 9,45,05
